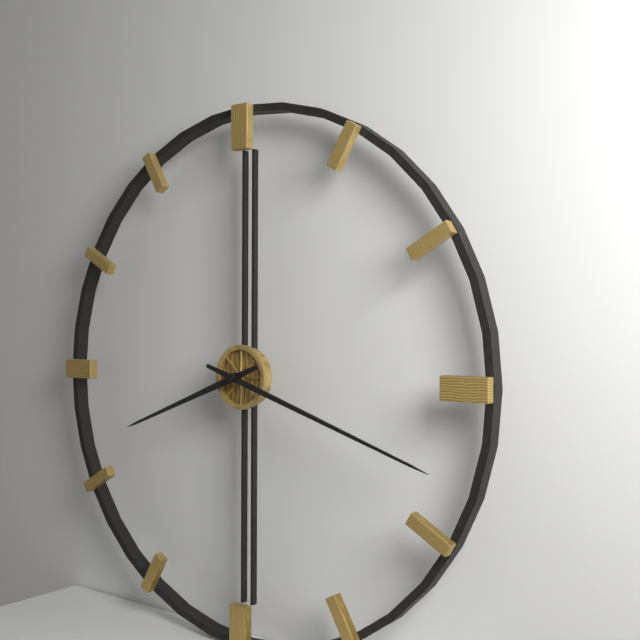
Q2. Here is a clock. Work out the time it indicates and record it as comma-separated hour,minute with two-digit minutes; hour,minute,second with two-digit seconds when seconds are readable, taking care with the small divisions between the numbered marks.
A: 8,18
